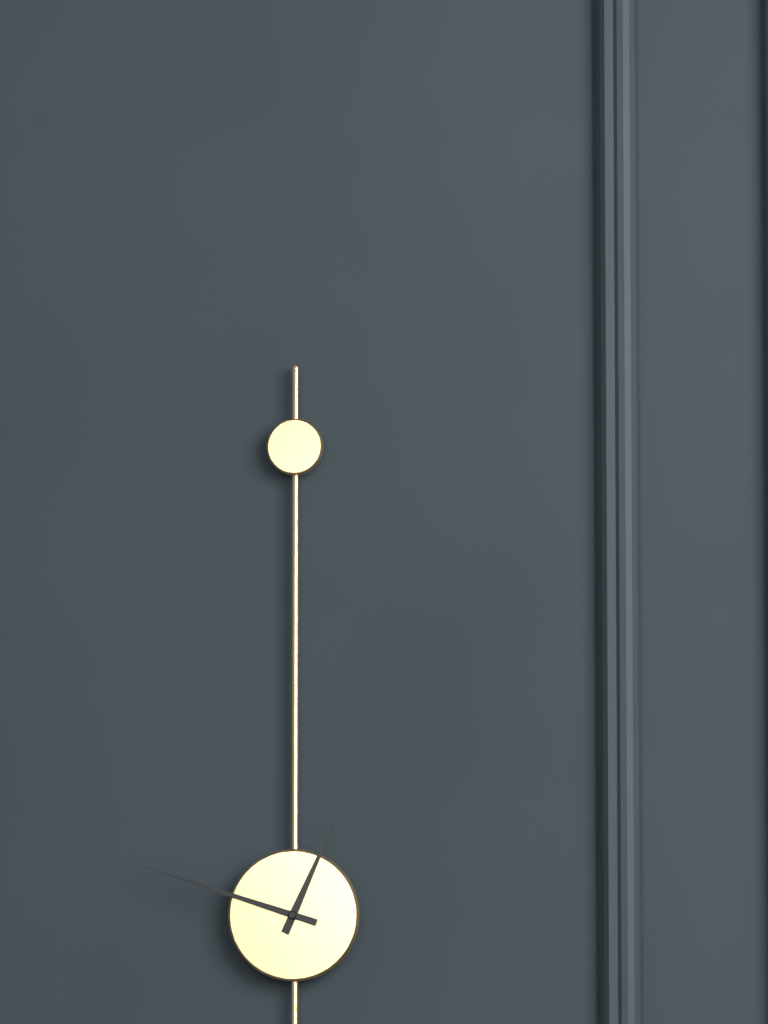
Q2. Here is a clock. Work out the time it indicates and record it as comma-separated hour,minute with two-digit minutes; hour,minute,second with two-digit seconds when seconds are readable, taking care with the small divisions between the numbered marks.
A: 12,48
